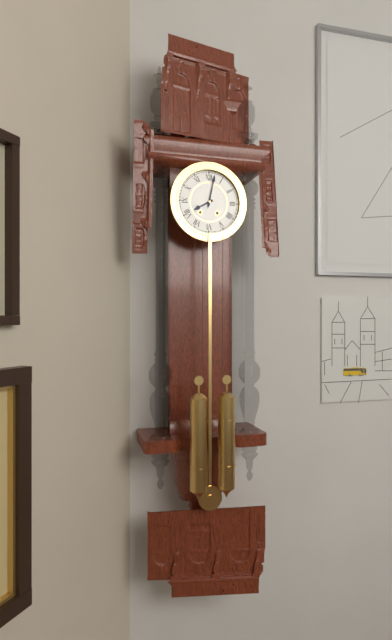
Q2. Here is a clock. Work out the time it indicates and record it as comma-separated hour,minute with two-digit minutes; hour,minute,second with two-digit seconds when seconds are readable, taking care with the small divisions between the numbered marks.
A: 8,02
